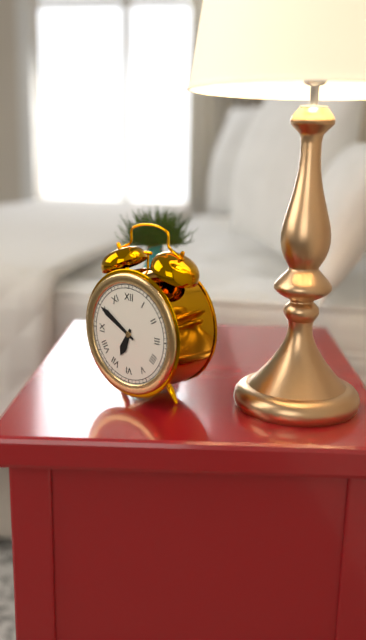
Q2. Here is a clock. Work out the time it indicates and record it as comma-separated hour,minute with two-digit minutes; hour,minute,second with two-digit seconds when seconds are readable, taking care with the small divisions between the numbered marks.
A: 6,50
